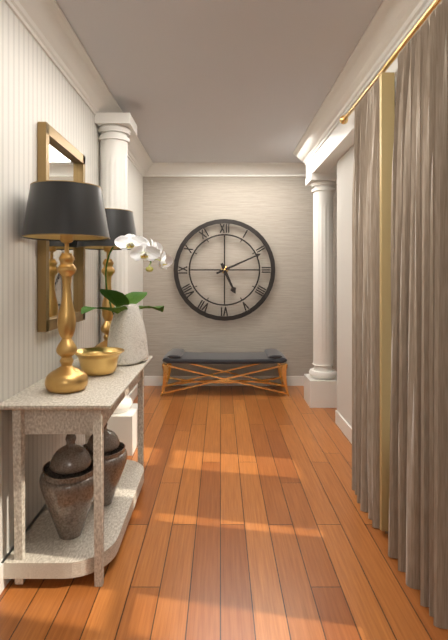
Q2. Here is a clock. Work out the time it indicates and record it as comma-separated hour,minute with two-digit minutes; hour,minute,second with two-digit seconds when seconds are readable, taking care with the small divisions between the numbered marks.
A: 5,11
